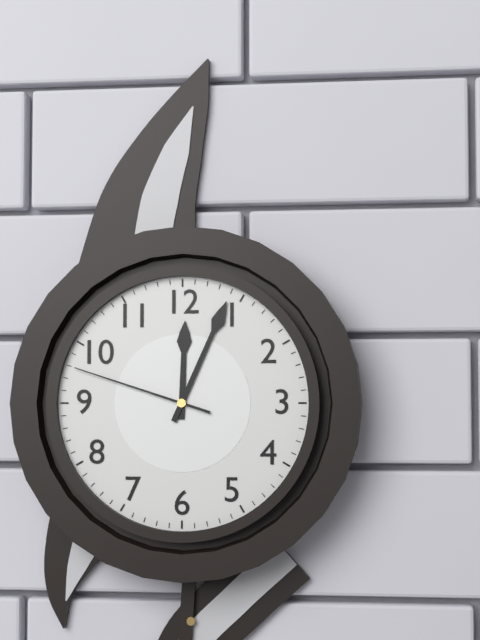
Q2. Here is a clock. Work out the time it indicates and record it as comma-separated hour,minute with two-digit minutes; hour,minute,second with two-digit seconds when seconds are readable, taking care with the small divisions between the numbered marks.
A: 12,04,48
